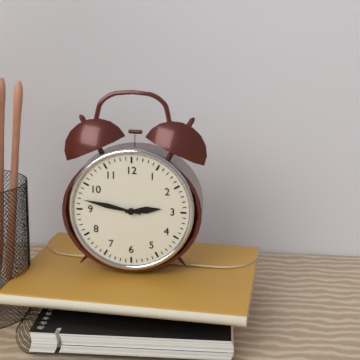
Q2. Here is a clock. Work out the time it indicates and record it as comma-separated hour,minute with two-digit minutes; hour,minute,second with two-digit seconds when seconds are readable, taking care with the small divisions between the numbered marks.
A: 2,47
